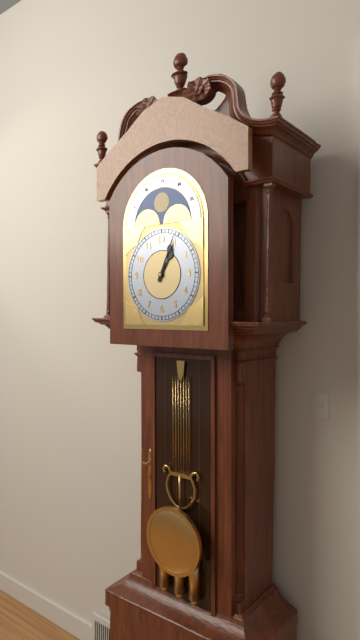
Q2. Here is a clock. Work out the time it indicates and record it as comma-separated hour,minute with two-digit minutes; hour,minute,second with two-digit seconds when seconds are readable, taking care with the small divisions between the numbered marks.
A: 1,04
